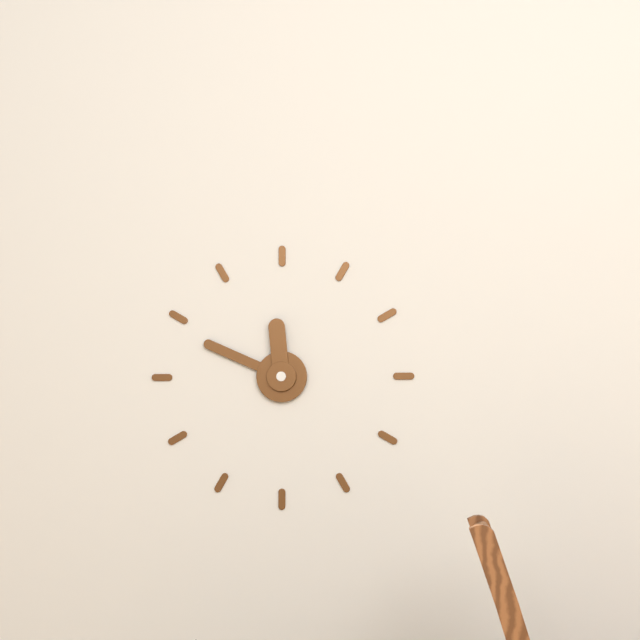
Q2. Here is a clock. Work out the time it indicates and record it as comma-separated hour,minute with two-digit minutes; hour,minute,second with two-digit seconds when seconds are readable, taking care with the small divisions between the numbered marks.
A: 11,49
